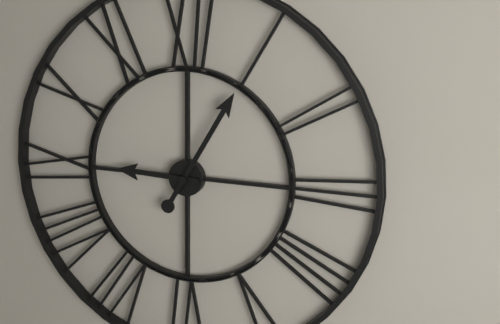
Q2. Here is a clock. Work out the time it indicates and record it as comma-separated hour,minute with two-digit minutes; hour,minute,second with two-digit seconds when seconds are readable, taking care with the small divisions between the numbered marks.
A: 9,05
